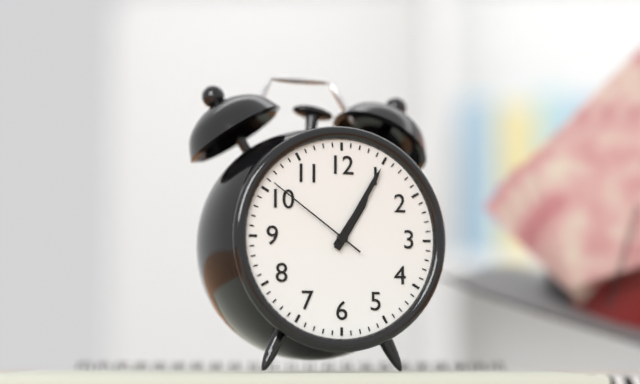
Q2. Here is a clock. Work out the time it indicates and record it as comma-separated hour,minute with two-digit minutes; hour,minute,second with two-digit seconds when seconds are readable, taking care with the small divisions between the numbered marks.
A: 1,05,51
